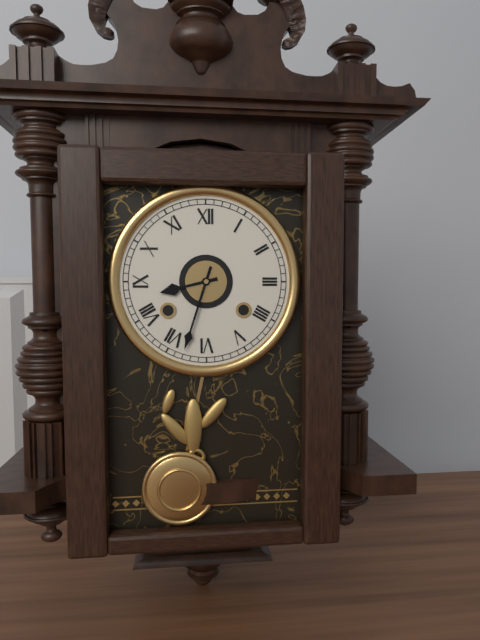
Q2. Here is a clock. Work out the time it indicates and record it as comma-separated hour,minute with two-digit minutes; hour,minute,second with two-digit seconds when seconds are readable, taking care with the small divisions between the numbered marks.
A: 8,33
